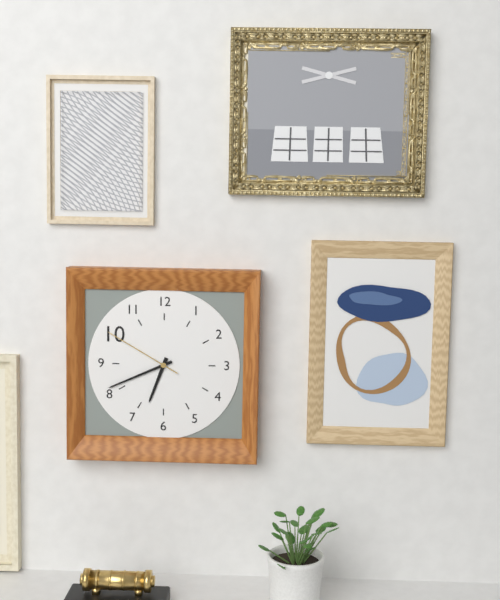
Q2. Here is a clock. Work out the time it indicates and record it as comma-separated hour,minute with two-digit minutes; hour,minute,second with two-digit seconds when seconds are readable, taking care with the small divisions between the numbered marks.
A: 6,41,50
